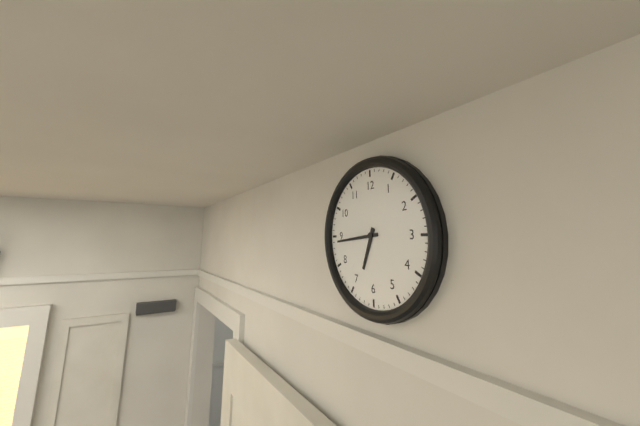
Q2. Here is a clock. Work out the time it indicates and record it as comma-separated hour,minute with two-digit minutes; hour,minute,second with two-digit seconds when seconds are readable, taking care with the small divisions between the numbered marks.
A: 6,44
